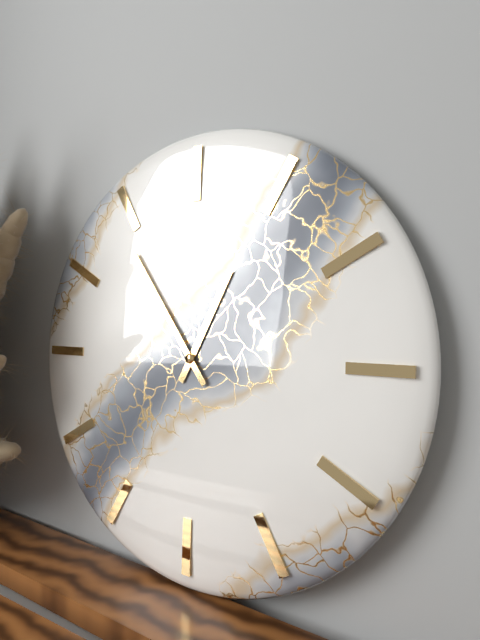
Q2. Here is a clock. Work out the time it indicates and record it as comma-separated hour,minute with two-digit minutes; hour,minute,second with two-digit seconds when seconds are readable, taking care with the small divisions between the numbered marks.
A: 12,54
